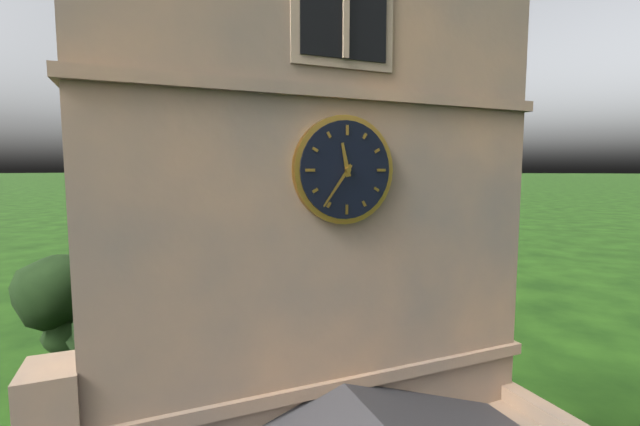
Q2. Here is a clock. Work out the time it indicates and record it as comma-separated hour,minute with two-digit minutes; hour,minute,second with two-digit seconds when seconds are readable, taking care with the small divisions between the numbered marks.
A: 11,36
